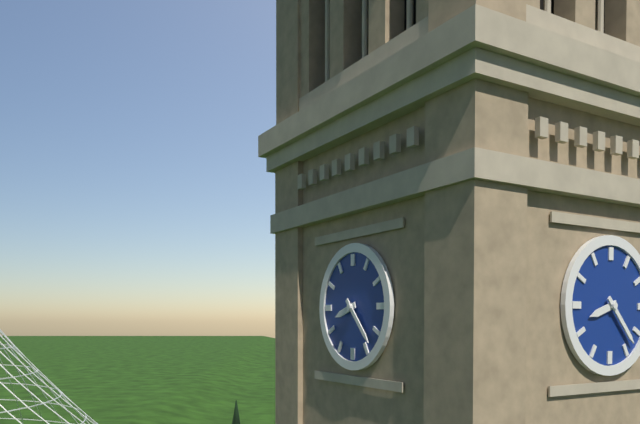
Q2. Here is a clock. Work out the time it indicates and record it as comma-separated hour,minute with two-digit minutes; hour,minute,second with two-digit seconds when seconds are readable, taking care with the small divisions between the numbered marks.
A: 8,23
